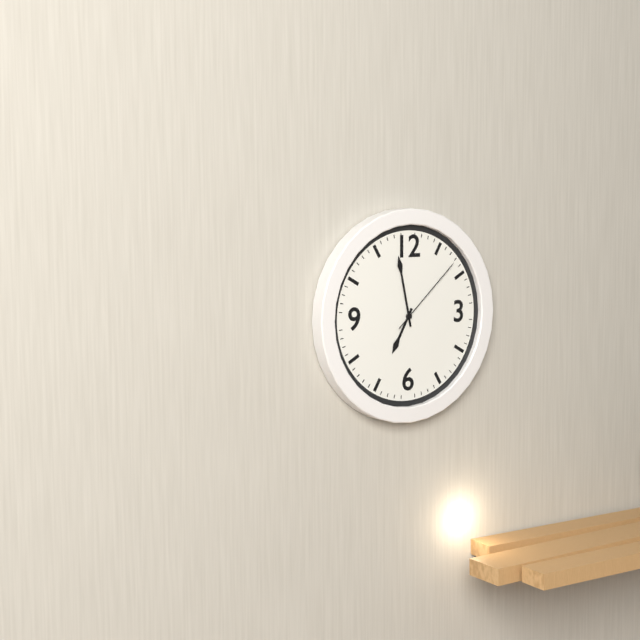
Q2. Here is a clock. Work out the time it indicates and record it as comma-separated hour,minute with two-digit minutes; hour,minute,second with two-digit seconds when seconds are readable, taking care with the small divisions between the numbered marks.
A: 6,58,08
